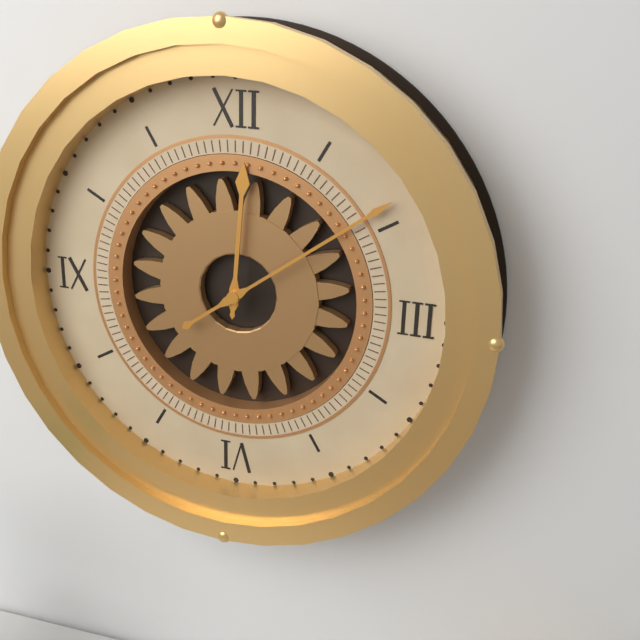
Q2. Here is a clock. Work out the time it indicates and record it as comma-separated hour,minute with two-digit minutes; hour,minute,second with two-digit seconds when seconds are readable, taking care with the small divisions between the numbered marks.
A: 12,09
